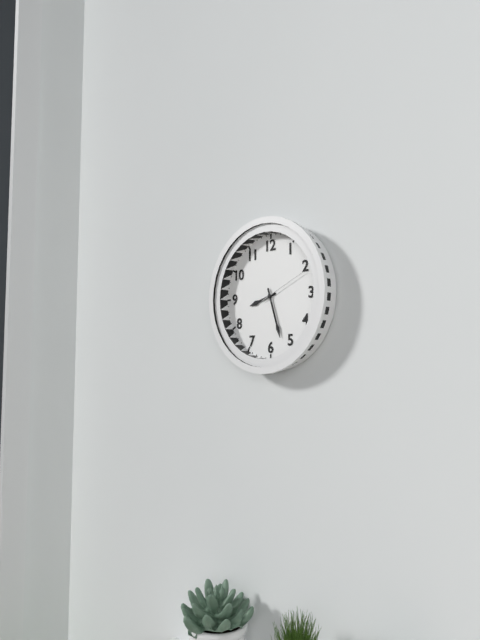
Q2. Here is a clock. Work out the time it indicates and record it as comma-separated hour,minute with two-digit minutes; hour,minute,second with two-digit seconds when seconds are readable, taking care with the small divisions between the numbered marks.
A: 8,27,11
